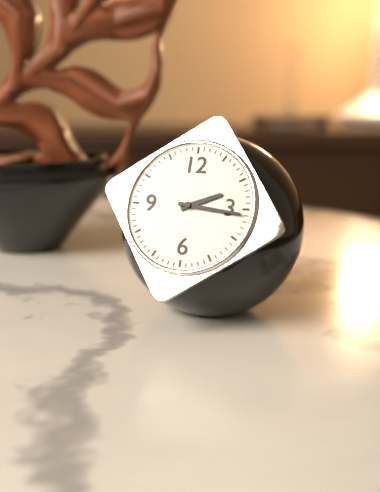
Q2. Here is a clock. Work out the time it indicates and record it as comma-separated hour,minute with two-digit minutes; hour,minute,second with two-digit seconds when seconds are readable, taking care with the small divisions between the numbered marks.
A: 2,16
